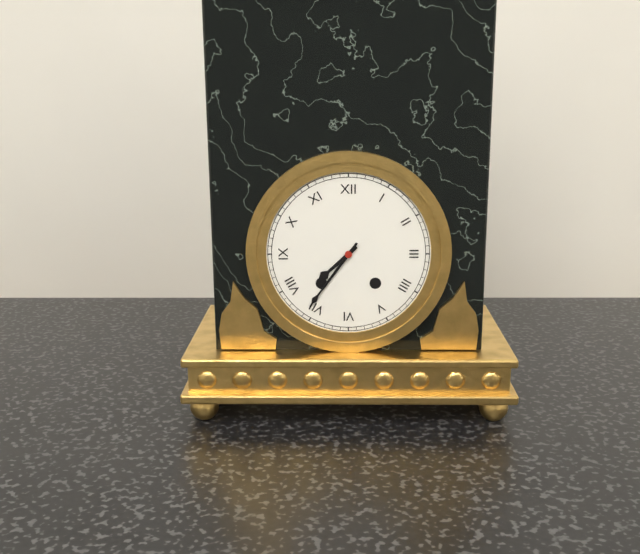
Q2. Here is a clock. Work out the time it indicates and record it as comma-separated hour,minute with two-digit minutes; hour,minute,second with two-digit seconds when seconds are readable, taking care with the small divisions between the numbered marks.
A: 7,36
